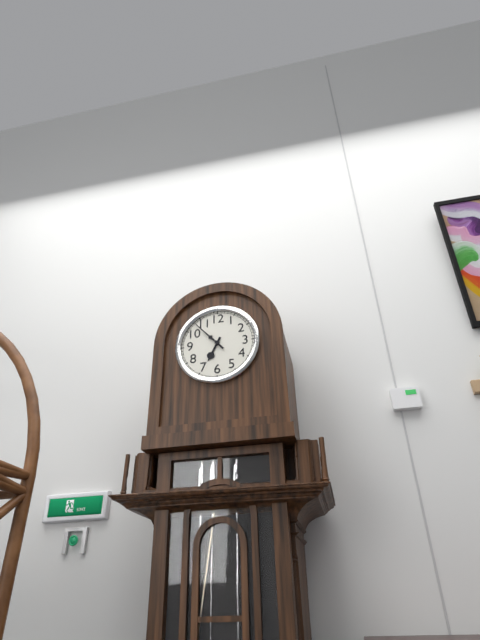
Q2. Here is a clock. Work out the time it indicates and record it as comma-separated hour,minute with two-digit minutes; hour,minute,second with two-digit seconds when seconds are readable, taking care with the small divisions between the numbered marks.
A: 6,53
